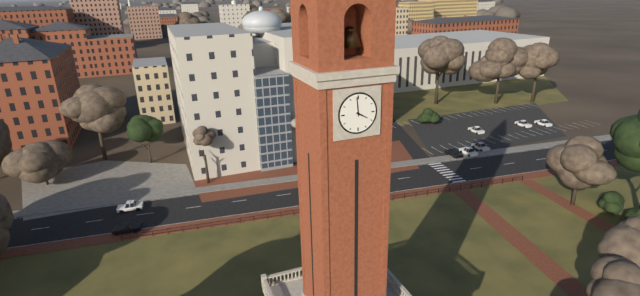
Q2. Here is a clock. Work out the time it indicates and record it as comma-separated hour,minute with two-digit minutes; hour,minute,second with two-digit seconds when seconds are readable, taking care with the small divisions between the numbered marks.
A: 3,59
